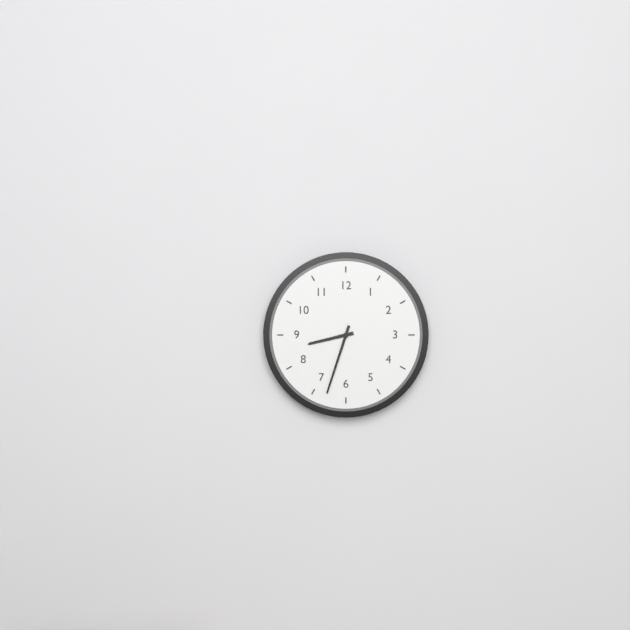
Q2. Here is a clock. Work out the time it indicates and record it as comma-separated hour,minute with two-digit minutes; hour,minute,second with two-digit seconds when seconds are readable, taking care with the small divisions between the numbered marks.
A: 8,33
